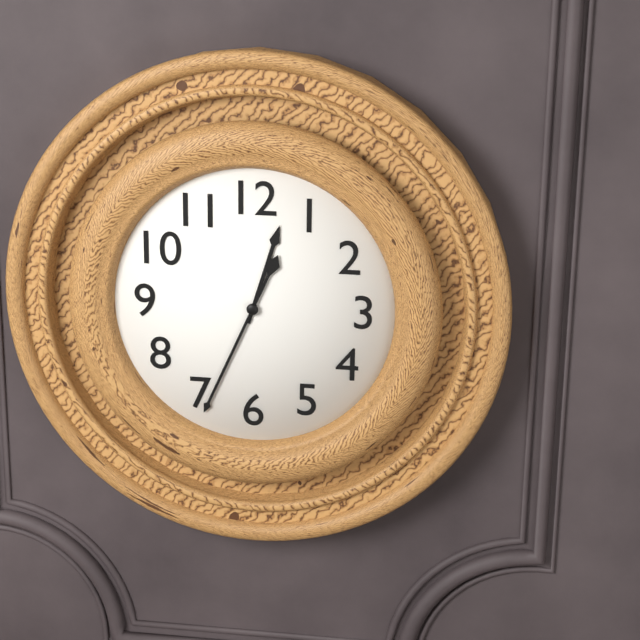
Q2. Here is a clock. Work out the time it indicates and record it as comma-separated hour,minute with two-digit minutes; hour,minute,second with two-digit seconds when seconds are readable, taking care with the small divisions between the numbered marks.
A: 12,34
